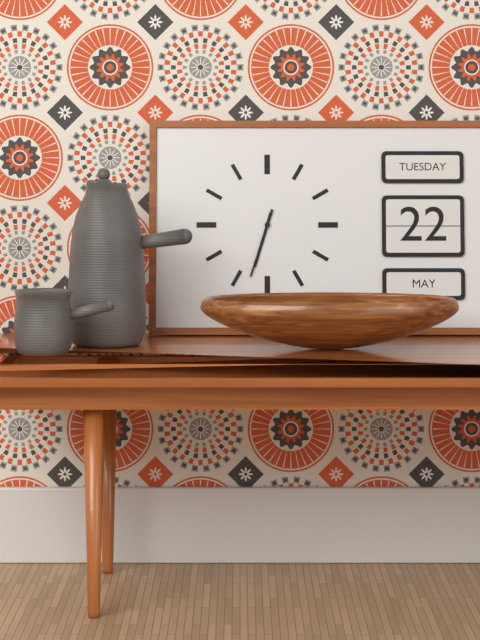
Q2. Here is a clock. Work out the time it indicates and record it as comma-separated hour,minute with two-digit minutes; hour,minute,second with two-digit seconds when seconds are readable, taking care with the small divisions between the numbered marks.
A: 6,33
